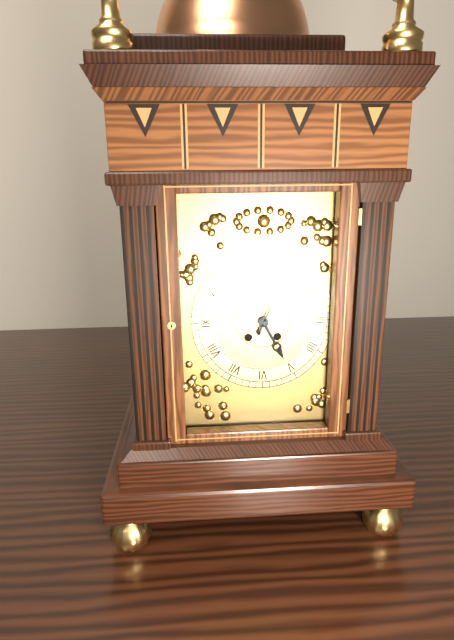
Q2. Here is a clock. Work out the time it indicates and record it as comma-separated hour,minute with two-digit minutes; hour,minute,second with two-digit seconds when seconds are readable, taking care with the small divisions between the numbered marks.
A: 5,04
